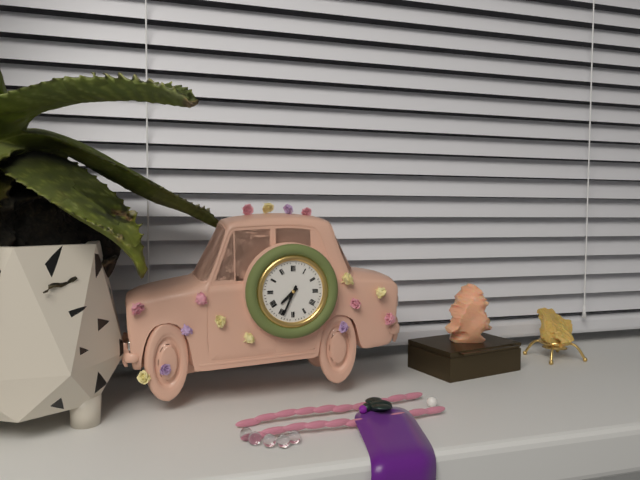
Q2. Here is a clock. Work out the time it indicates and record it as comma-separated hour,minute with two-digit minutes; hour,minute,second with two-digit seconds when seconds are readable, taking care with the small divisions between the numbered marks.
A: 7,34
